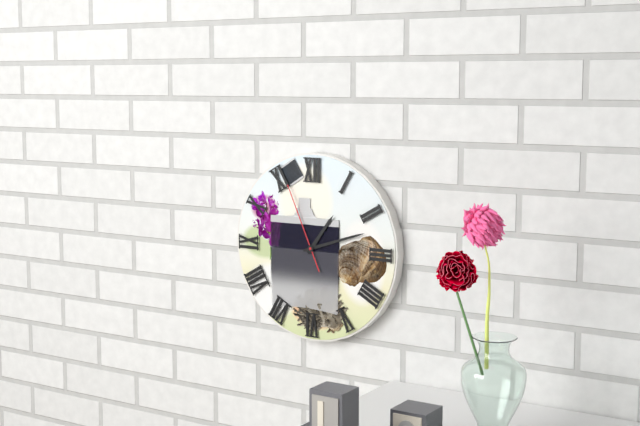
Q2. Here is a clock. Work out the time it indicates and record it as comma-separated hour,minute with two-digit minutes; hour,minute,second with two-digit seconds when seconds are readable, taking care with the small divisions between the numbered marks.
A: 1,12,56
